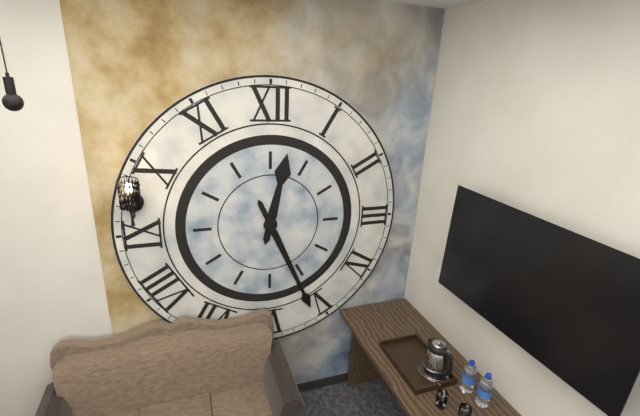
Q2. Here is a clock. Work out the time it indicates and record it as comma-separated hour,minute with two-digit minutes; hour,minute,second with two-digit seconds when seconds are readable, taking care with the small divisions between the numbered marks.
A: 12,26
